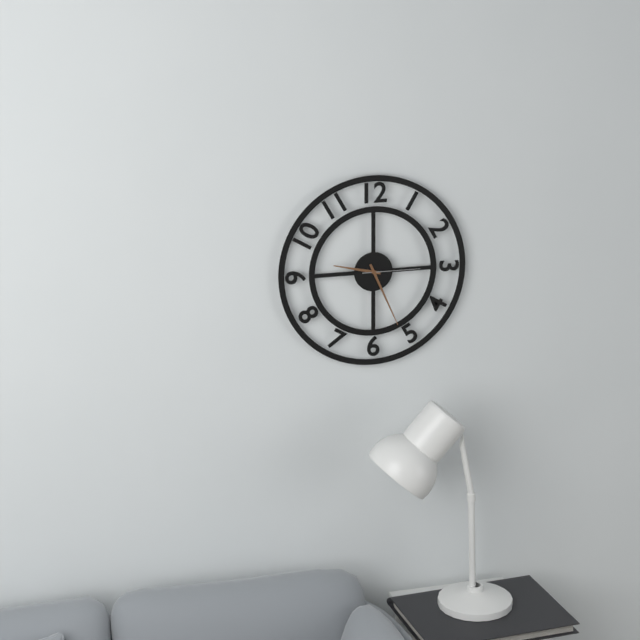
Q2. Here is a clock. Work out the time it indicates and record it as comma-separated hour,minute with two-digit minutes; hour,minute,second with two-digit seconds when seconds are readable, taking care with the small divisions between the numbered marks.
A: 9,26,15
